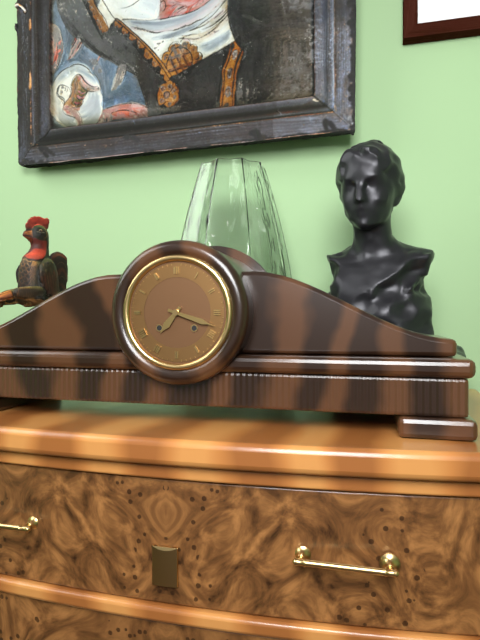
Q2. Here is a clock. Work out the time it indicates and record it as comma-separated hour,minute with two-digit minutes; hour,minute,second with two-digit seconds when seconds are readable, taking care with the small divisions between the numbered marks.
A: 7,18
